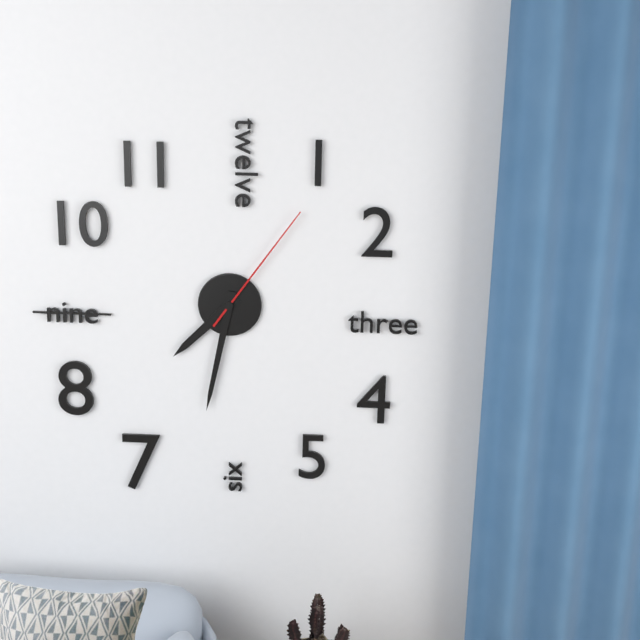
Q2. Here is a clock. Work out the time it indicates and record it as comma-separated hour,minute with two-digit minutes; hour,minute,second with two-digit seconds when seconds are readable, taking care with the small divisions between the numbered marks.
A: 7,32,06
